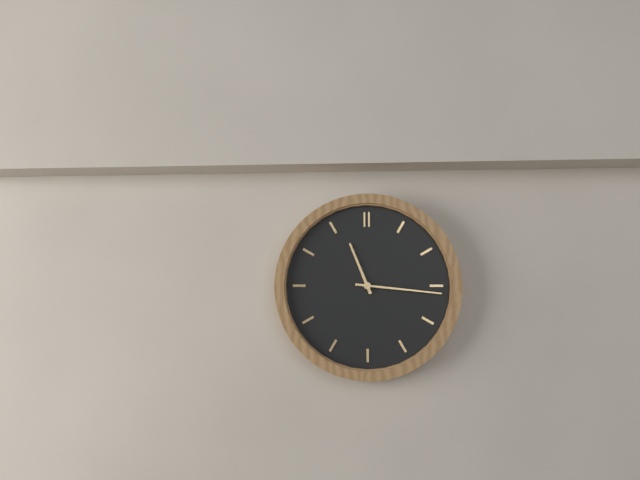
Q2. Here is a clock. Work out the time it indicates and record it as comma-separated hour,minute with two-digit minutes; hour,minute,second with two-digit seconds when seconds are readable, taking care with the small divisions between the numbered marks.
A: 11,16
